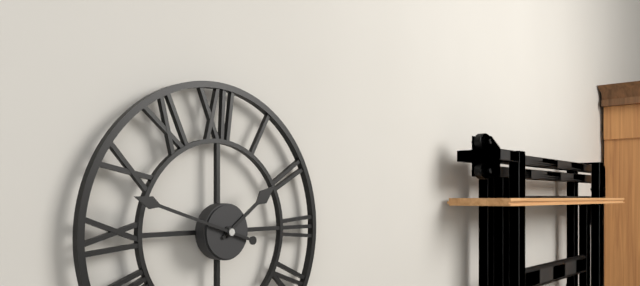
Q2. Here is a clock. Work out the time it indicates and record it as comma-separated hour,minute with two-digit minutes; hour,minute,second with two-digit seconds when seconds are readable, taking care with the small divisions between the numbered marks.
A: 1,48
